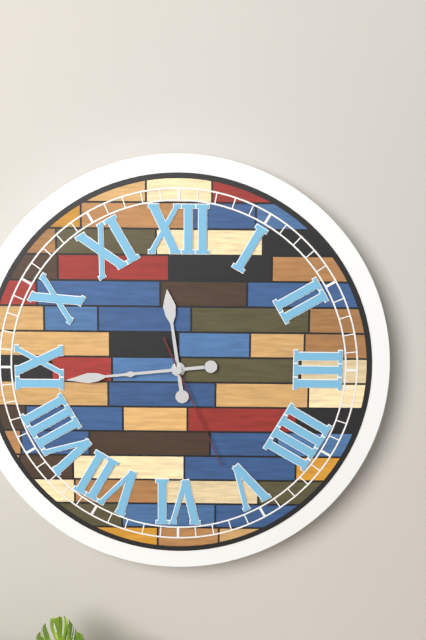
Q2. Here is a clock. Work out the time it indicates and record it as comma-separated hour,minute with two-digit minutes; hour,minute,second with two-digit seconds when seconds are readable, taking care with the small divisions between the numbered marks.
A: 11,44,26
